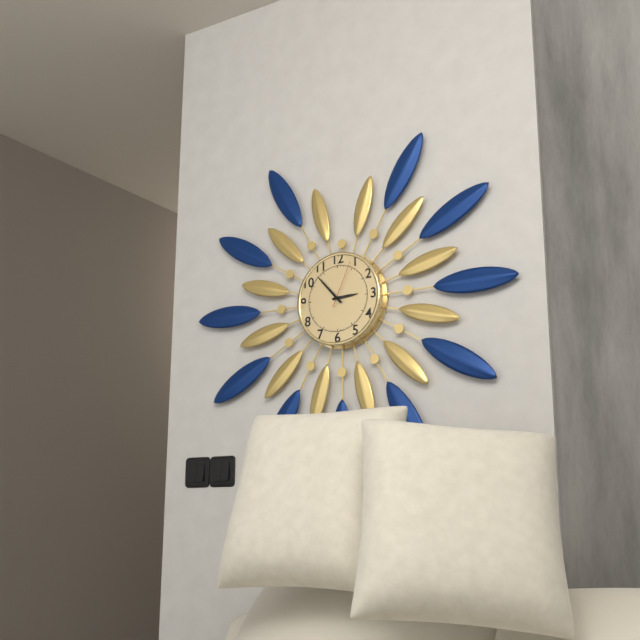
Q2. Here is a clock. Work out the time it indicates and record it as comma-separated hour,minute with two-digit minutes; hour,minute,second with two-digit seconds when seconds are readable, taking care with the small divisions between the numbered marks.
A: 2,53
